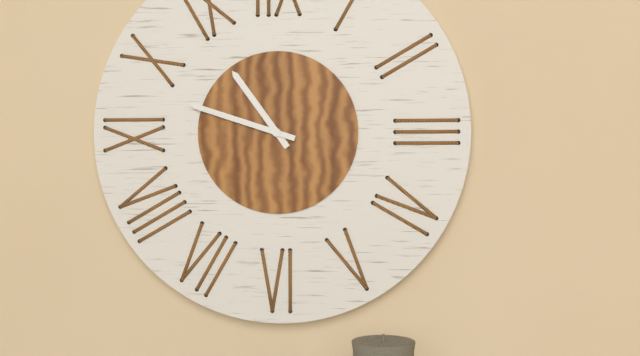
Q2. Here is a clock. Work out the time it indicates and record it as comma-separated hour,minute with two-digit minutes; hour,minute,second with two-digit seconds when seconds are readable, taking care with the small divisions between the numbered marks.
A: 10,48
